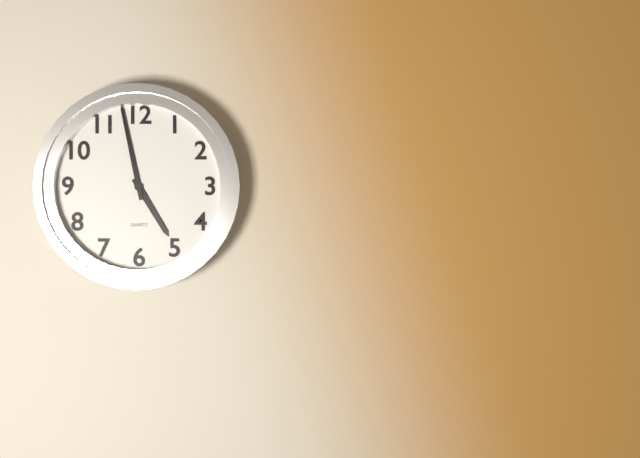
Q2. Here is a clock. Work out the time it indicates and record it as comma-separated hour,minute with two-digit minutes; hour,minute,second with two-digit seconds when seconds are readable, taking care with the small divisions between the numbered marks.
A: 4,58
